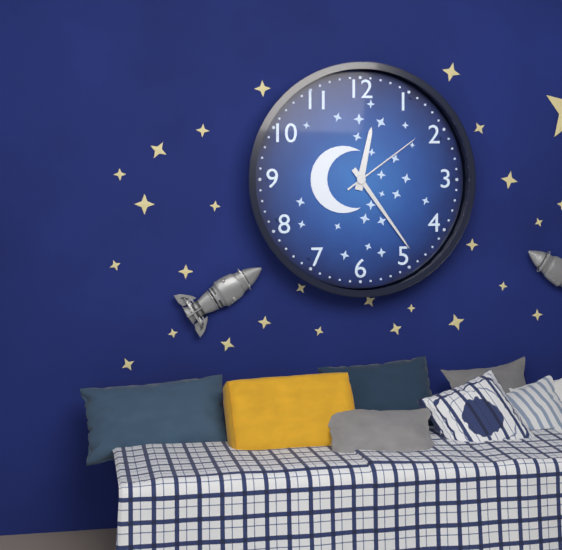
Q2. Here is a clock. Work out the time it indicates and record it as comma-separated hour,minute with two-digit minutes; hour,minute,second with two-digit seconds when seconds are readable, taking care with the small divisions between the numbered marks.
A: 12,24,09
